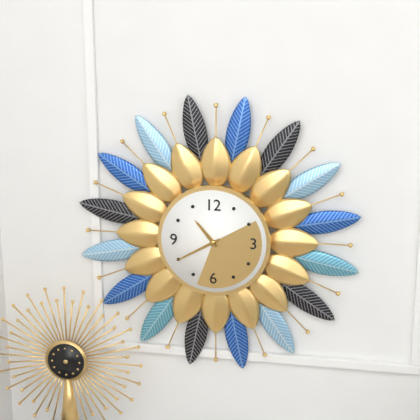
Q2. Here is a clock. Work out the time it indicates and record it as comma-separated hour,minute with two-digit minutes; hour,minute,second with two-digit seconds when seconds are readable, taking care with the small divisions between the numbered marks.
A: 10,40
